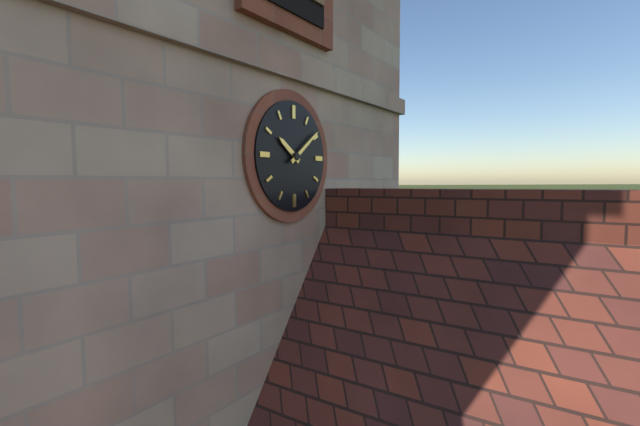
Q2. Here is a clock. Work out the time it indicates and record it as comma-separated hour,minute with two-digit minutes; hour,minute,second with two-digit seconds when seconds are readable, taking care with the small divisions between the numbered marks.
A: 10,09
